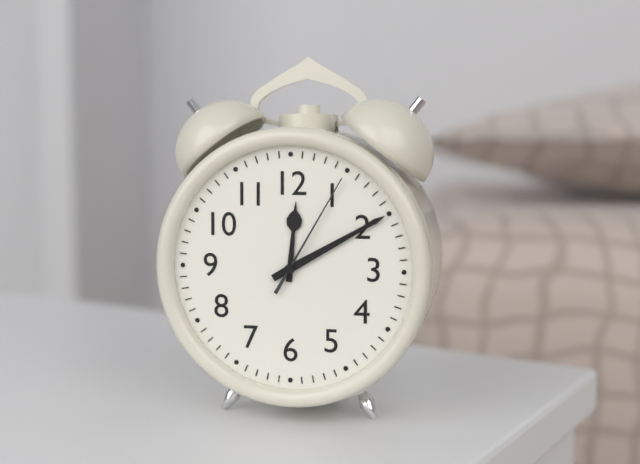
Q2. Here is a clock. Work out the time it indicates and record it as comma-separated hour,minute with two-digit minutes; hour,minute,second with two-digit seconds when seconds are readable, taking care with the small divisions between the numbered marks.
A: 12,10,05
